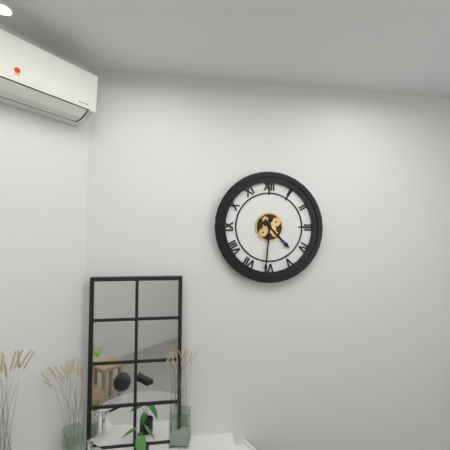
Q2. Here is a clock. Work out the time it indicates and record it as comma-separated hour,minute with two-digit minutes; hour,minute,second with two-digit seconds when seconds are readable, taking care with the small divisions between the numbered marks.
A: 4,31
